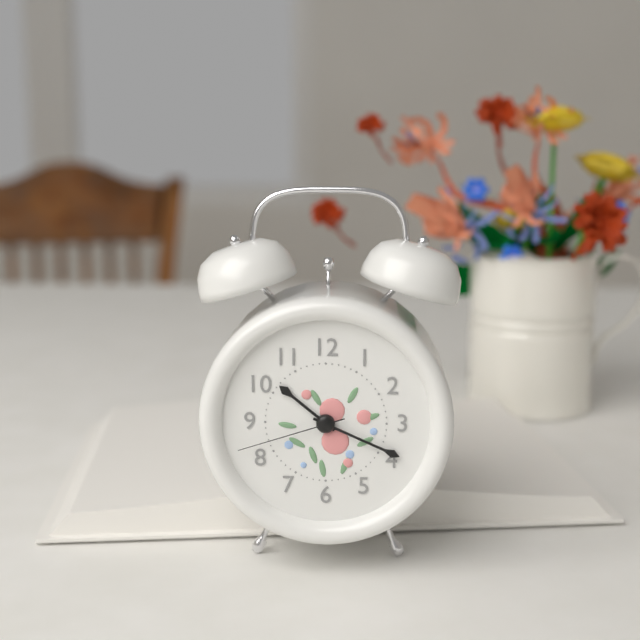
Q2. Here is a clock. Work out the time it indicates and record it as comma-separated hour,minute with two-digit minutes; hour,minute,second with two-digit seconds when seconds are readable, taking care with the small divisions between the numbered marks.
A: 10,19,42
